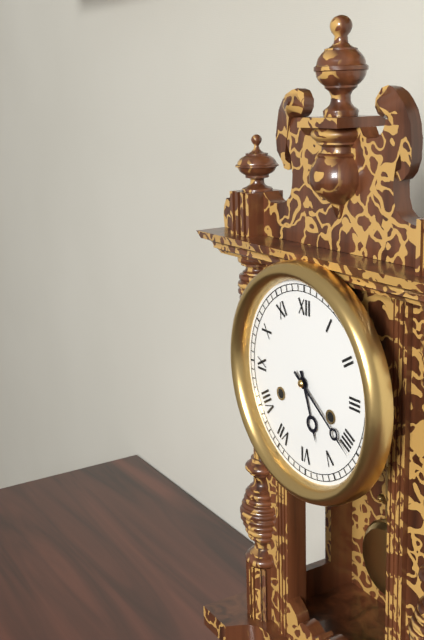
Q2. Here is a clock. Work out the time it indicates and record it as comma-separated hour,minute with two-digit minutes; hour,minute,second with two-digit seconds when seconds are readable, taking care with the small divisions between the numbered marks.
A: 5,21
